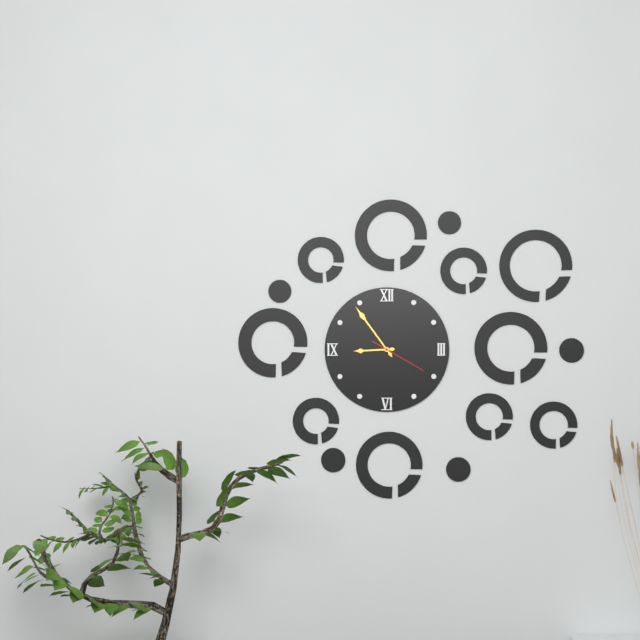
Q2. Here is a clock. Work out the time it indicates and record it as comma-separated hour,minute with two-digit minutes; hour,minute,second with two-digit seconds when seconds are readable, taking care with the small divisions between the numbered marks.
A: 8,54,20
